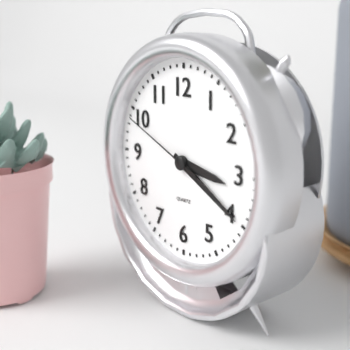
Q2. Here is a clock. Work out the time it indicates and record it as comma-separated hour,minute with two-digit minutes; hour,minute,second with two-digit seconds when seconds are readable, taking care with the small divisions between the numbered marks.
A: 3,20,49
